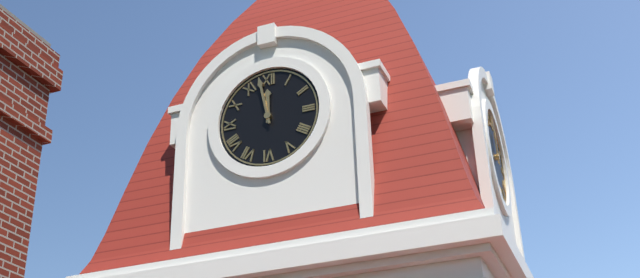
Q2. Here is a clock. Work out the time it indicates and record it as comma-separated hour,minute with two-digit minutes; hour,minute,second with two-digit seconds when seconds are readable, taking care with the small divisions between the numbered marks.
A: 11,58
